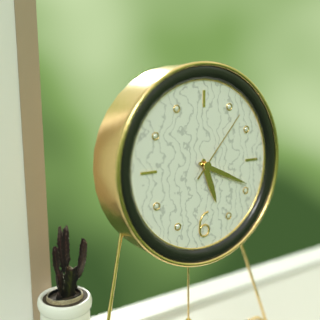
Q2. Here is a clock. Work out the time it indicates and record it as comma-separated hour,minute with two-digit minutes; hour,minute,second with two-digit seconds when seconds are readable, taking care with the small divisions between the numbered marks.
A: 5,19,07
